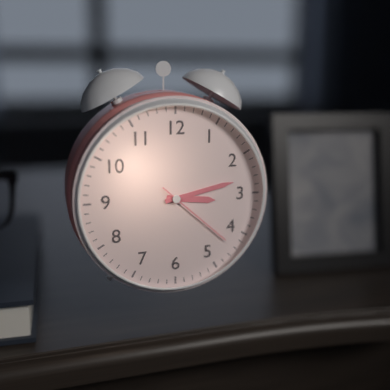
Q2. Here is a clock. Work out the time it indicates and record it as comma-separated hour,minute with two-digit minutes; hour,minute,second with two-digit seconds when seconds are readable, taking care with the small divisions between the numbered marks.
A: 3,13,22
